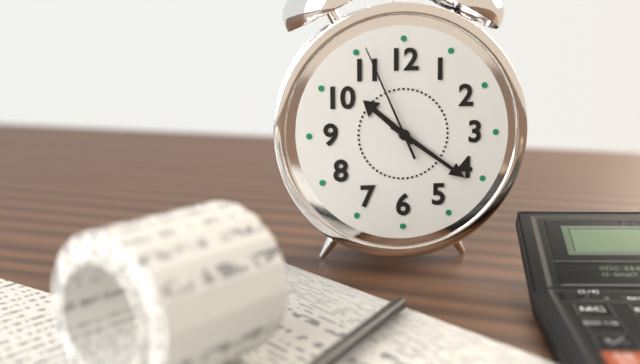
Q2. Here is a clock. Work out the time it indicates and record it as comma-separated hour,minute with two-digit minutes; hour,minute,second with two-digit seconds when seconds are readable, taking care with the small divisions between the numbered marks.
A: 10,21,56
